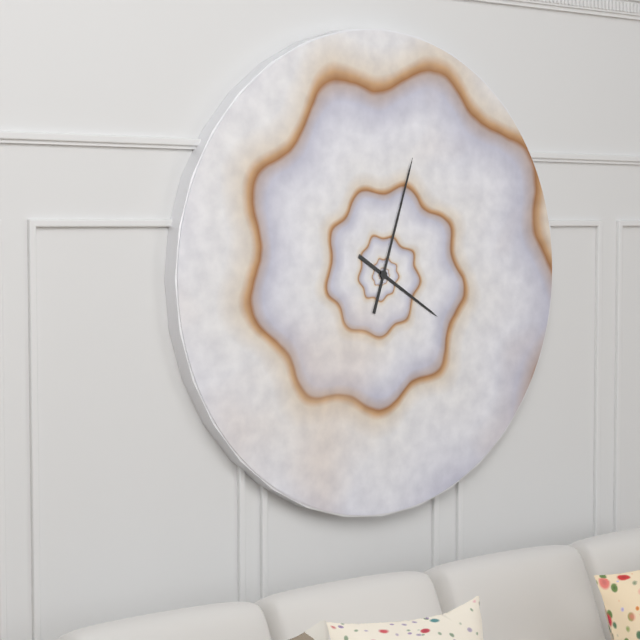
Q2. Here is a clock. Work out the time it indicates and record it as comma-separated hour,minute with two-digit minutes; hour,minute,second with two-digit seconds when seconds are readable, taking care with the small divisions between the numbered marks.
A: 4,03
